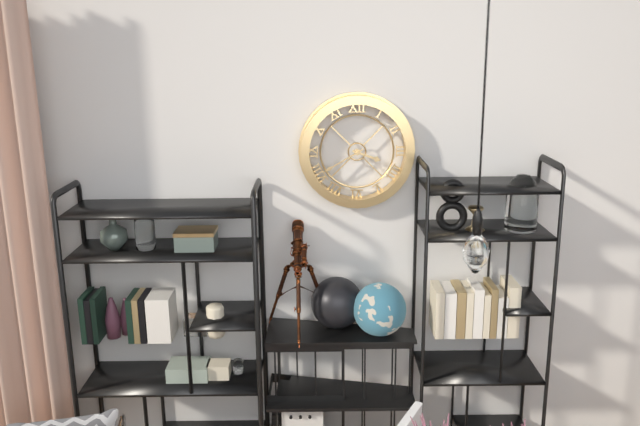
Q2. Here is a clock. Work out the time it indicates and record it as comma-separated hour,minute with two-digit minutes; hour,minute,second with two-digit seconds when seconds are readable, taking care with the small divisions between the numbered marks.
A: 3,40
